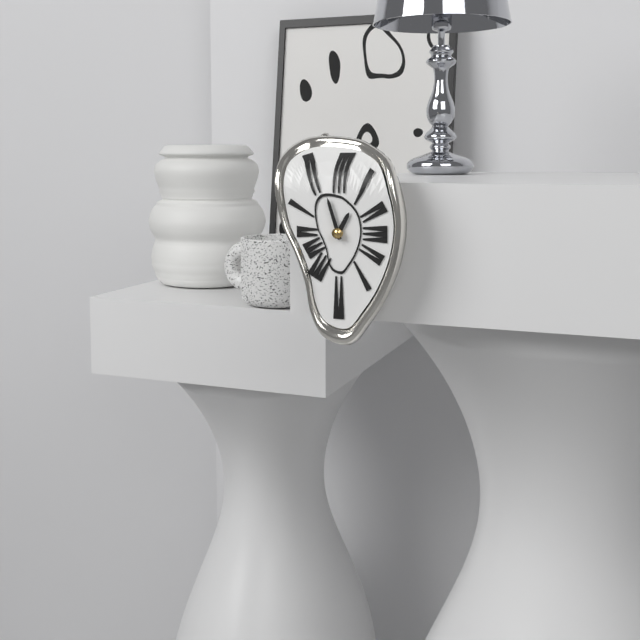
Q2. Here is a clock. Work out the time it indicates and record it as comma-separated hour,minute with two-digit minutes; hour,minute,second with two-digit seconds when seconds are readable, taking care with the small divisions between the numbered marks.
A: 12,57
